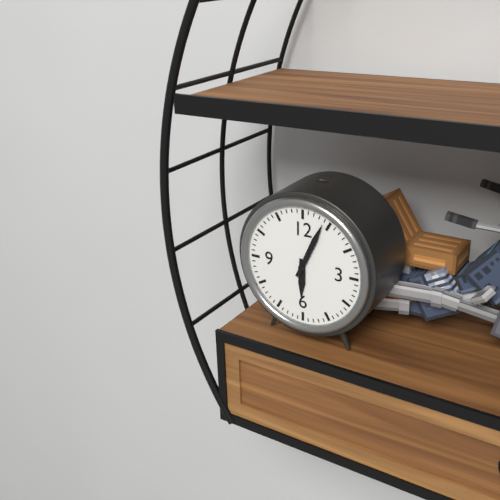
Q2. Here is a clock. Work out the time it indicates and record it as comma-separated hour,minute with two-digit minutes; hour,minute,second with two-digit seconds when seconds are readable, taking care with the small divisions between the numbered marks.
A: 6,04
